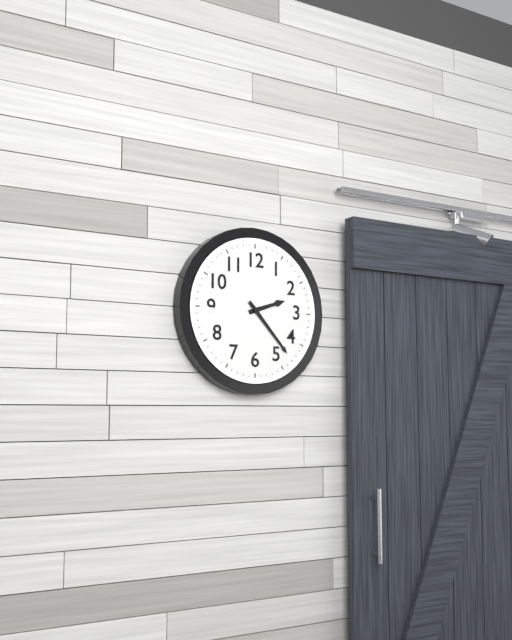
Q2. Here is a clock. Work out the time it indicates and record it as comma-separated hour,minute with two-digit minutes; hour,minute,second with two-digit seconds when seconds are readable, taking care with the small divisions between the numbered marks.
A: 2,23
